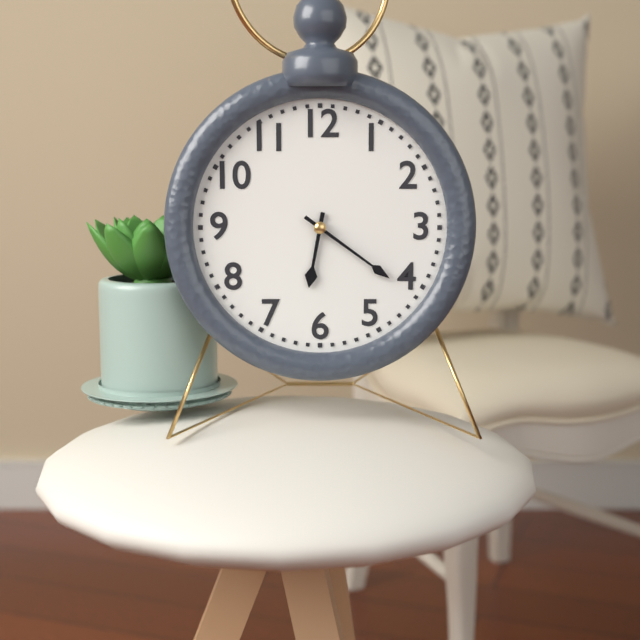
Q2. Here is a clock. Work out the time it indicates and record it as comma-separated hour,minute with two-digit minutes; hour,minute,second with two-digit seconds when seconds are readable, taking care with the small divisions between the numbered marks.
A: 6,21
